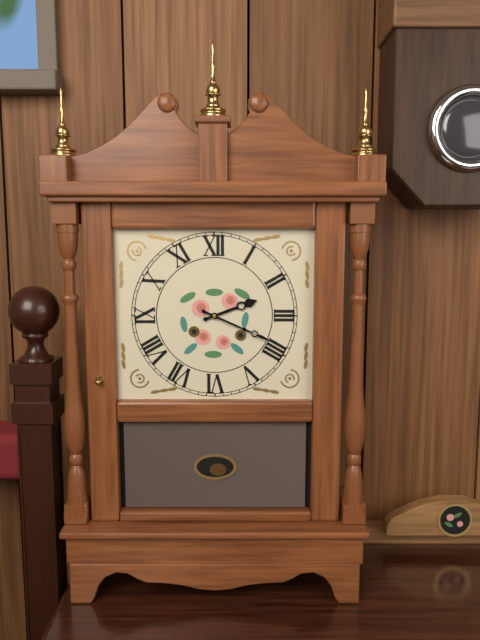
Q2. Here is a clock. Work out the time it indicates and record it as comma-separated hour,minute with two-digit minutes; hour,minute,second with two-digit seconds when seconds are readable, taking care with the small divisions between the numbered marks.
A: 2,19
